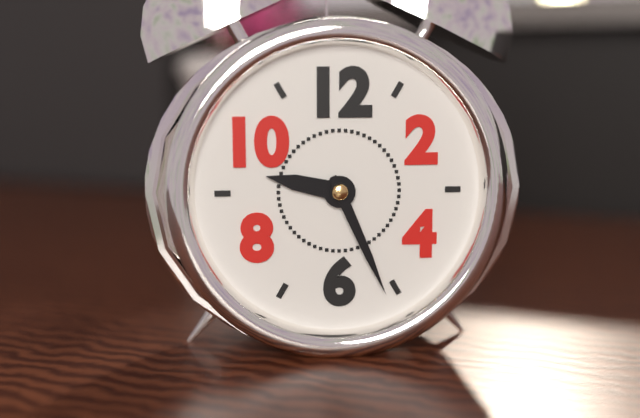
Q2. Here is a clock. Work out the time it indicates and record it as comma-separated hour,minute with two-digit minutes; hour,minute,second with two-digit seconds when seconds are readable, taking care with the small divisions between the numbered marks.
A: 9,26
